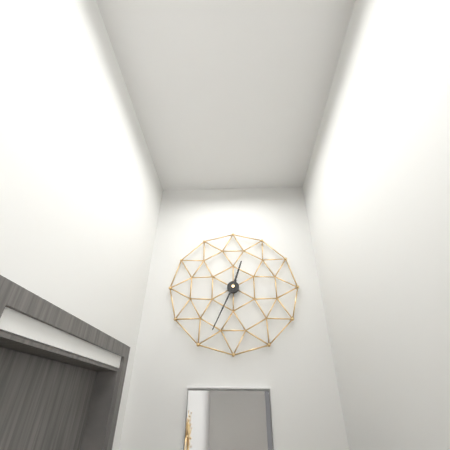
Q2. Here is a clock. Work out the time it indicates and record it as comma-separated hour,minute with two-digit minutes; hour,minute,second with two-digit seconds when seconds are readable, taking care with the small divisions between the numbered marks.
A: 12,34
